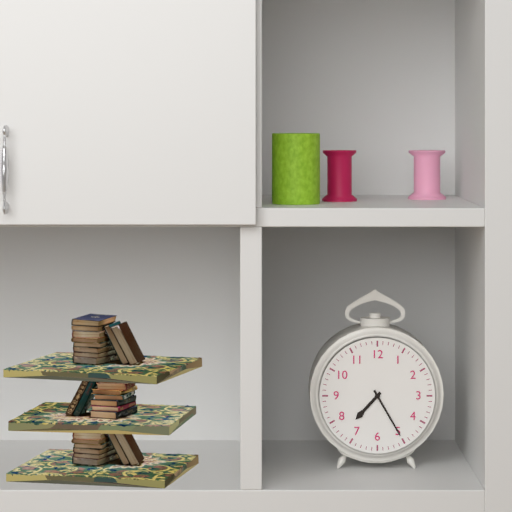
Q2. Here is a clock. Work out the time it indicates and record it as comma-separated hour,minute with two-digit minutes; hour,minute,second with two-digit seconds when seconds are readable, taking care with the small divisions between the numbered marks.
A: 7,25
